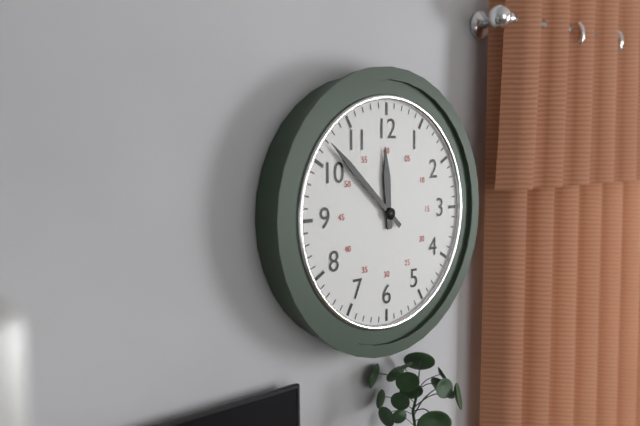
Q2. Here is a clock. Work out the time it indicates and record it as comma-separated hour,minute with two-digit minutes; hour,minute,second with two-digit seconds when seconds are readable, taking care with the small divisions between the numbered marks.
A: 11,52
